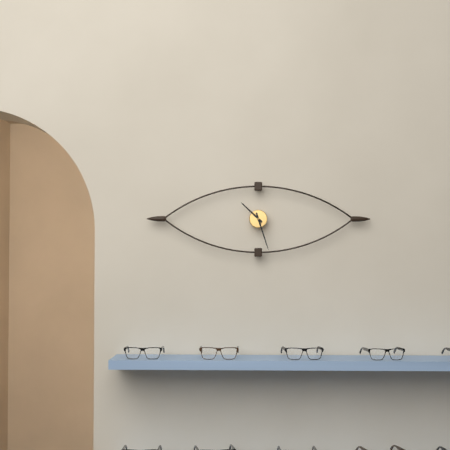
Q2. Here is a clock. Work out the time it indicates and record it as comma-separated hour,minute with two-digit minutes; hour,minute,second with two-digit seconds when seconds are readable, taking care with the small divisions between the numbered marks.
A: 10,27
